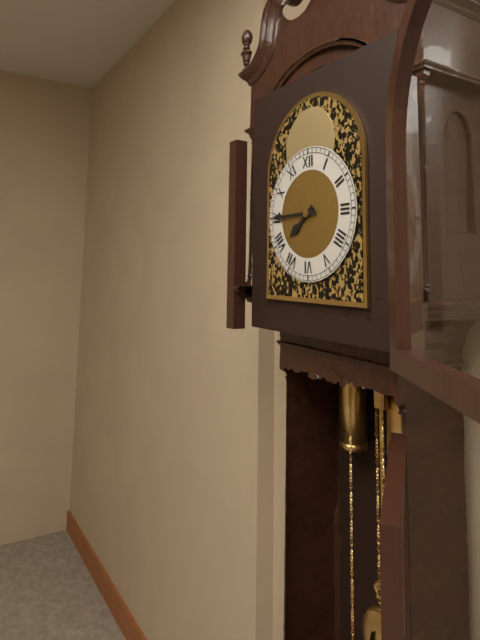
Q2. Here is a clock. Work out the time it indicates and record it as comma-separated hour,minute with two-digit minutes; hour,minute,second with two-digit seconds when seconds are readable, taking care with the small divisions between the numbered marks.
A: 7,45
